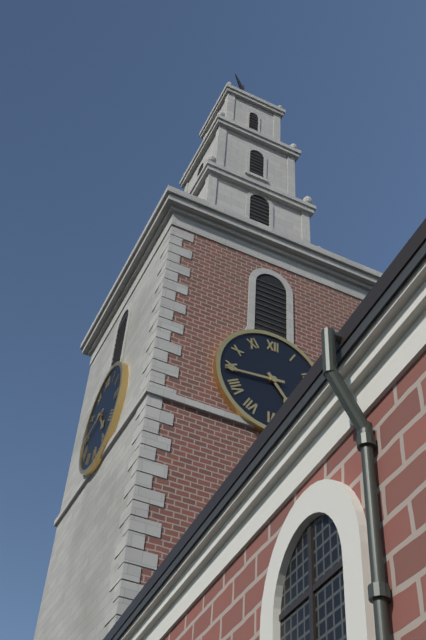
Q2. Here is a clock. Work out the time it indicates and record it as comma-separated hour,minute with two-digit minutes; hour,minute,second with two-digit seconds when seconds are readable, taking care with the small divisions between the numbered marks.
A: 4,44
